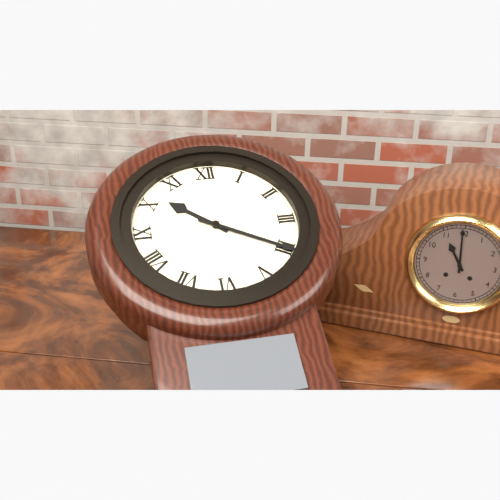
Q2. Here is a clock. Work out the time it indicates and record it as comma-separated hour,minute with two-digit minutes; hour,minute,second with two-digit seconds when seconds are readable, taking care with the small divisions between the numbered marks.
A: 10,20
